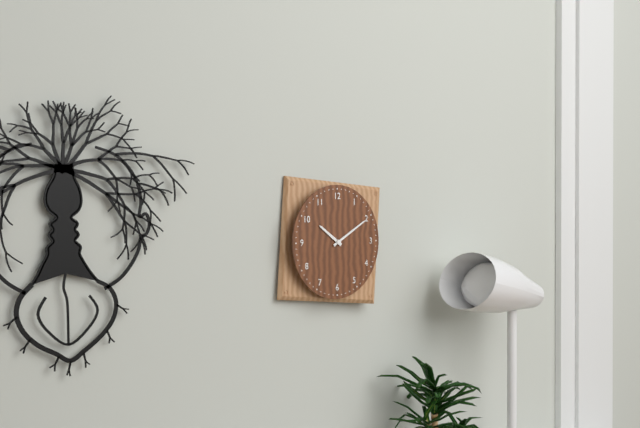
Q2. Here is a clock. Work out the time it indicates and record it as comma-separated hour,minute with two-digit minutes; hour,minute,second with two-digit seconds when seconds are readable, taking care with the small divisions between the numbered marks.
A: 10,10
